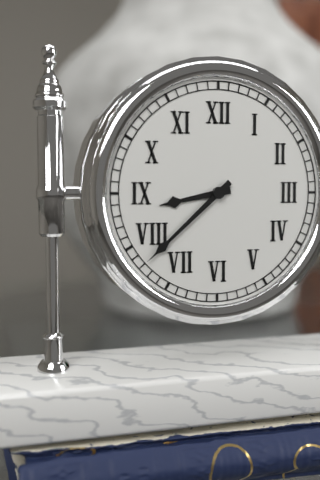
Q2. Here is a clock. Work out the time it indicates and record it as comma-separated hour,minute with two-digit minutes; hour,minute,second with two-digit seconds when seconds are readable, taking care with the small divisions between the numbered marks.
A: 8,38
